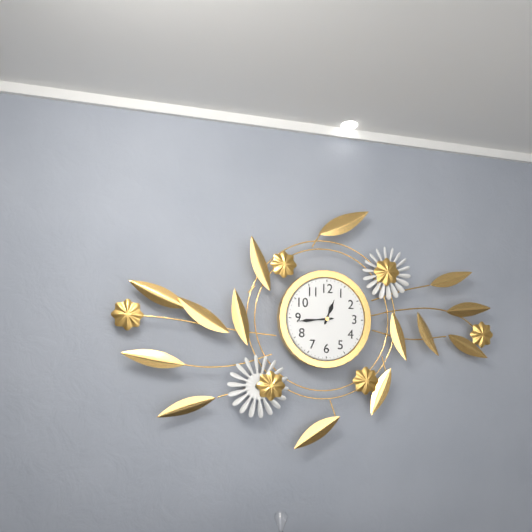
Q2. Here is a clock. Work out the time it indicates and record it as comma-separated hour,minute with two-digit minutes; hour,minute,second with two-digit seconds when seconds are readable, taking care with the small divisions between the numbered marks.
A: 12,44
